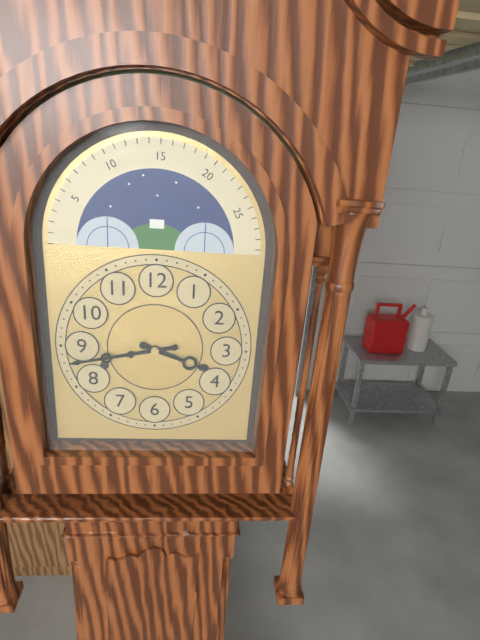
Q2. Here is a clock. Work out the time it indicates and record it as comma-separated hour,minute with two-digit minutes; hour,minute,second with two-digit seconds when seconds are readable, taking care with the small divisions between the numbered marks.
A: 3,43
